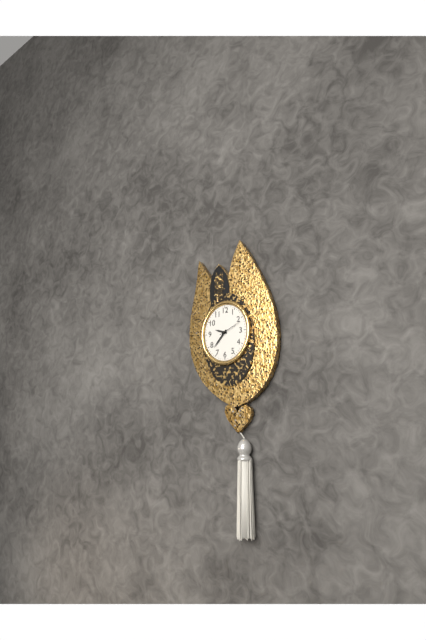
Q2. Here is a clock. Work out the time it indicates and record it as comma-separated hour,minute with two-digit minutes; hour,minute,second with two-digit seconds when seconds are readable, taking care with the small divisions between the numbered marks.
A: 9,37
